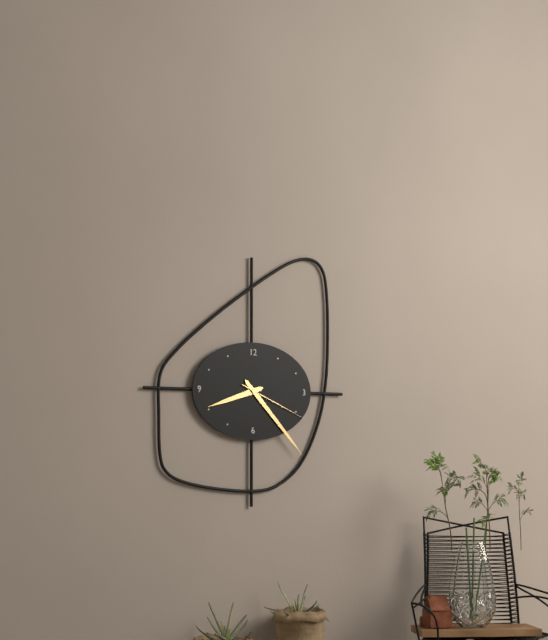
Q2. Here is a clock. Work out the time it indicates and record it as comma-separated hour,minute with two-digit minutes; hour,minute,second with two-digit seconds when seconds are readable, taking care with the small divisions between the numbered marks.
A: 8,23,19
